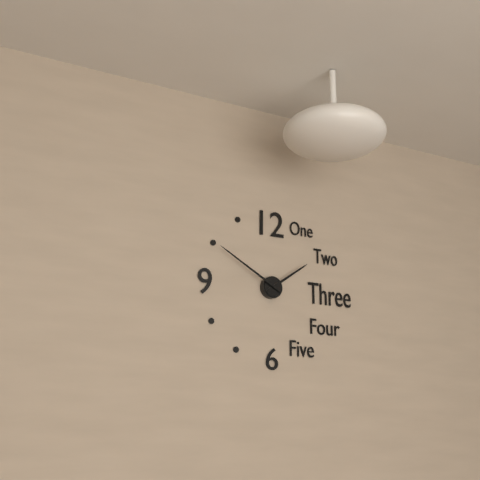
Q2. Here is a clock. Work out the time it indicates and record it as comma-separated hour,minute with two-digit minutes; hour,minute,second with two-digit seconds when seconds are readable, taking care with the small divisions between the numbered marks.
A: 1,50
